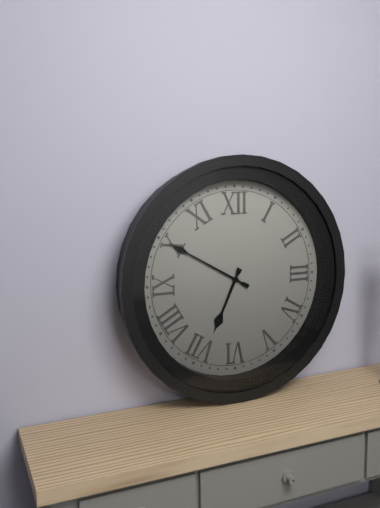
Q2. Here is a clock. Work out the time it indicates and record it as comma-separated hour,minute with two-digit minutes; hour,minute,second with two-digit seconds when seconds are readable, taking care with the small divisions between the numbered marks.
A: 6,50
